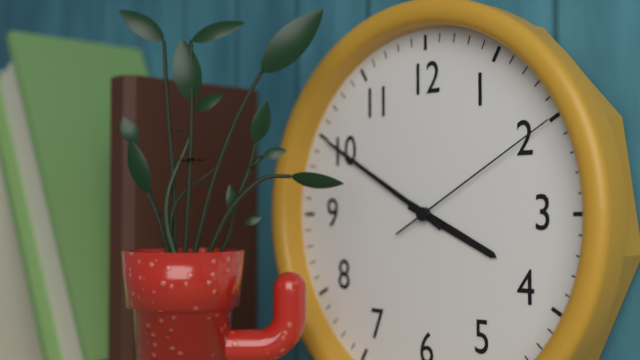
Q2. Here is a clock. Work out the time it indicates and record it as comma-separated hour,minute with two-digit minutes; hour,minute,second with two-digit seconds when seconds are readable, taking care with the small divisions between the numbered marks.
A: 3,50,10
